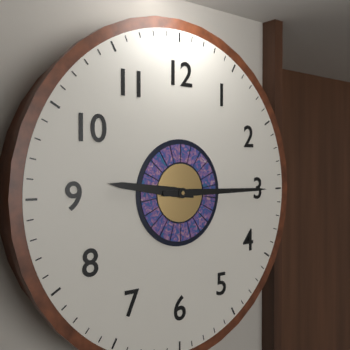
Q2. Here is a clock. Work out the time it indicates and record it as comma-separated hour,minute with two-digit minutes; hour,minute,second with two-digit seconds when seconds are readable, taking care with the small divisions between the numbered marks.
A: 9,15
